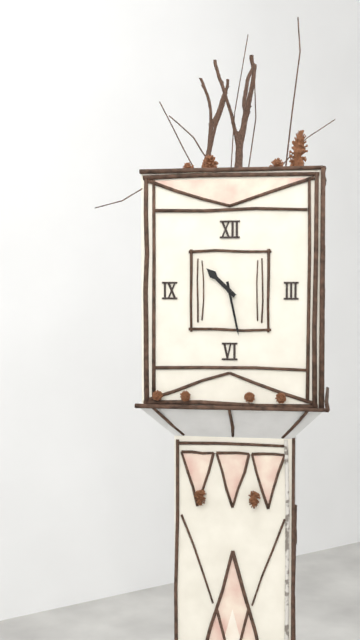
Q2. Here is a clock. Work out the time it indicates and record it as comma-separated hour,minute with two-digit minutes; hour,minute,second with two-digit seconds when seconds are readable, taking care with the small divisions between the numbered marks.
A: 10,28
